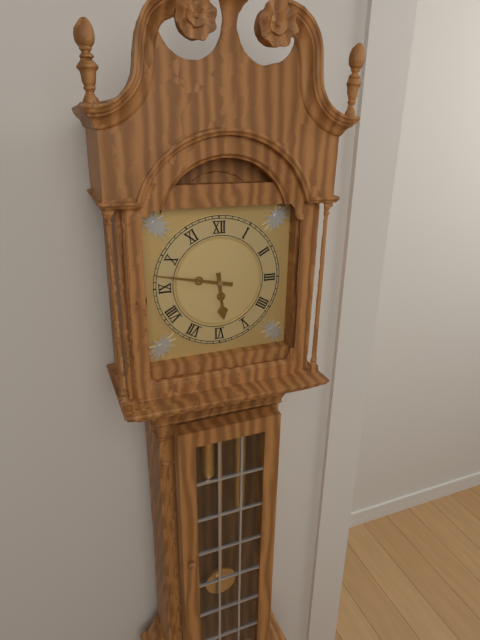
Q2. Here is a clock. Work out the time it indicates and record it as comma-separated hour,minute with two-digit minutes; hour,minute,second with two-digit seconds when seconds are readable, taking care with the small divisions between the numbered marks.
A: 5,47
